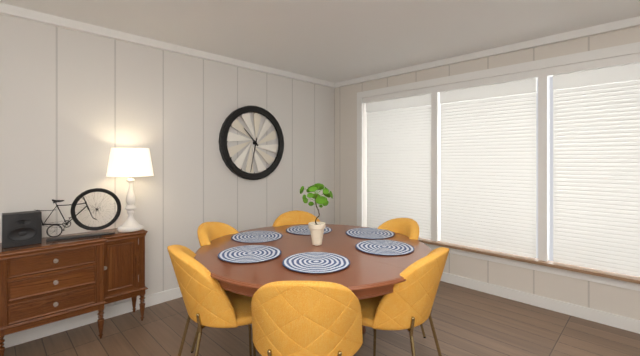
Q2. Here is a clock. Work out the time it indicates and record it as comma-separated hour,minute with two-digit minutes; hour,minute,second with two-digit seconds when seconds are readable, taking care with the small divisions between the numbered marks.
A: 10,32
